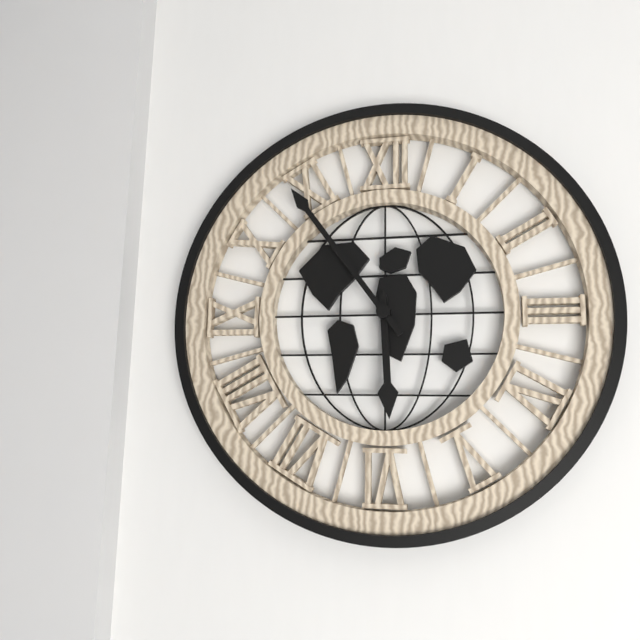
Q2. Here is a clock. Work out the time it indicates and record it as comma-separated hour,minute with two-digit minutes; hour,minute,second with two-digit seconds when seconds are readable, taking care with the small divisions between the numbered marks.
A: 5,54
